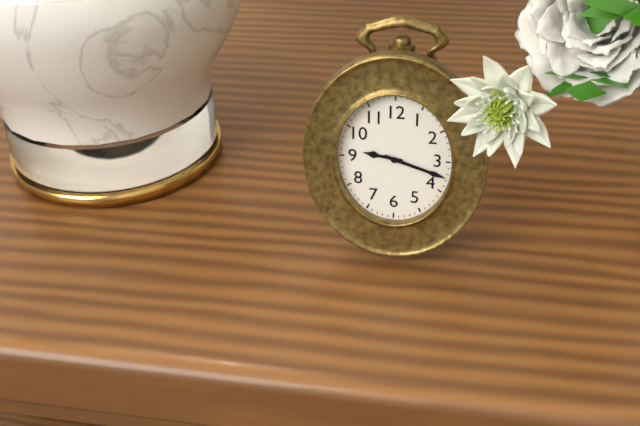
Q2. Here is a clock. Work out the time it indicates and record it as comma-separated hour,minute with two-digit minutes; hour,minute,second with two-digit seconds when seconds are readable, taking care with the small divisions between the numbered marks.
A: 9,18
